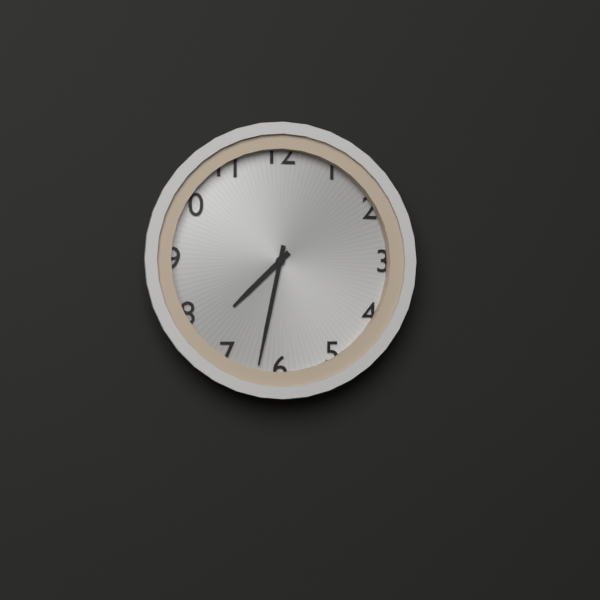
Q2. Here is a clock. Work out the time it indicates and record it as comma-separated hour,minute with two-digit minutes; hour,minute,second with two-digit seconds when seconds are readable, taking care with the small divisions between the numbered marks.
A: 7,32
